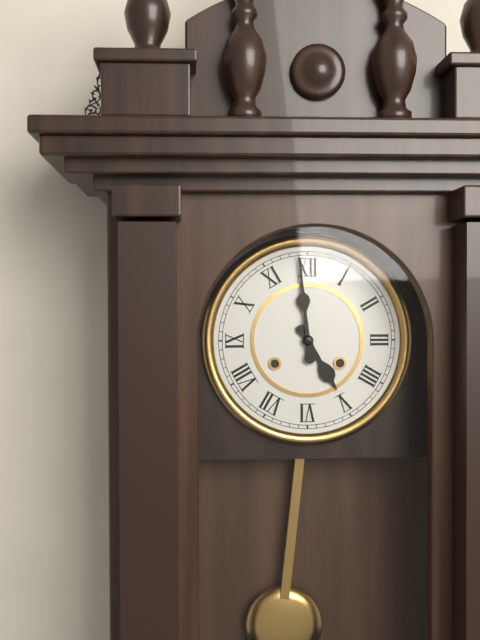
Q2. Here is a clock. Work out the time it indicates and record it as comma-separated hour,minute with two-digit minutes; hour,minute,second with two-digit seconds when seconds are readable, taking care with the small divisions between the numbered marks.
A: 4,59
